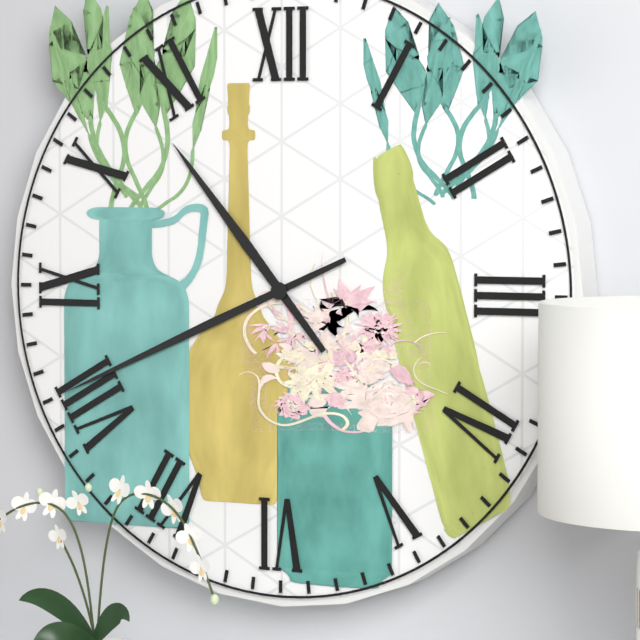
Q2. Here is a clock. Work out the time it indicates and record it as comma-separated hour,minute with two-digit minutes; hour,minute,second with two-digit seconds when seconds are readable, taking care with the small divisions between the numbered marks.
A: 10,41
